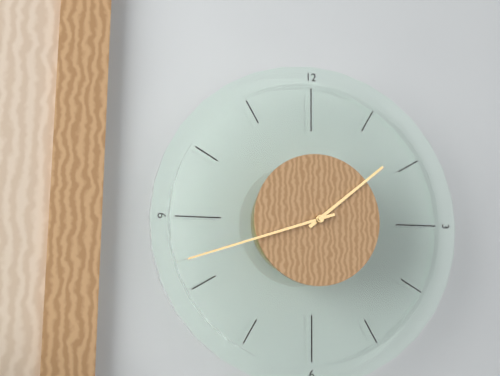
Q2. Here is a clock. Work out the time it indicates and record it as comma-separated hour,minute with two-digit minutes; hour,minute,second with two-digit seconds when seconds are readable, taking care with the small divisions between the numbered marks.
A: 1,42
